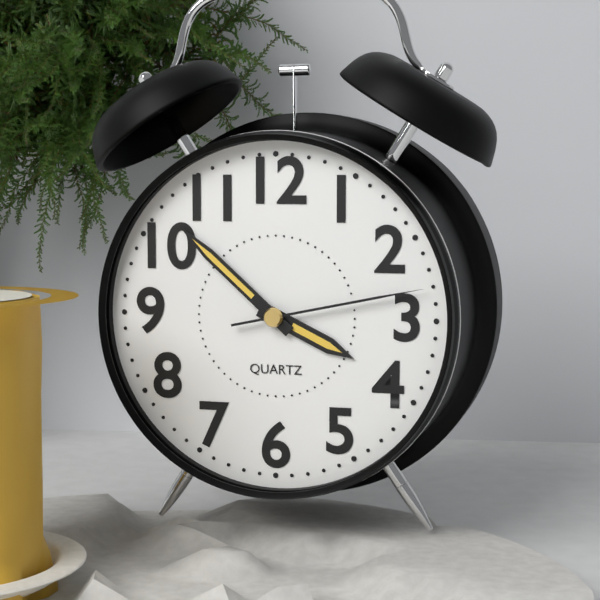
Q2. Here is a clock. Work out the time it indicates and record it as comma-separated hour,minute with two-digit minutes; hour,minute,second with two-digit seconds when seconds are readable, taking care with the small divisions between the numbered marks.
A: 3,52,13
